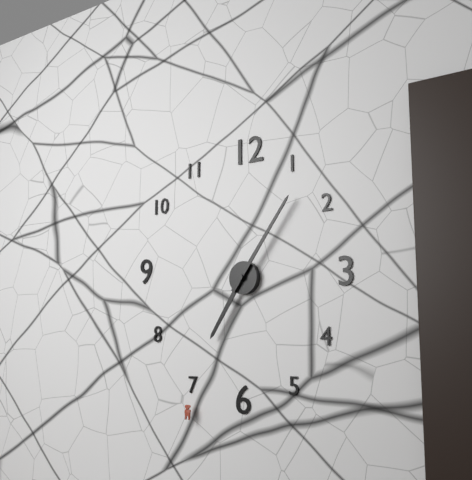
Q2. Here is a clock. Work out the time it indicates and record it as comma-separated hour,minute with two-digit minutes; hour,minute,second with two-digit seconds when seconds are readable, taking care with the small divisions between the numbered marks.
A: 7,06
